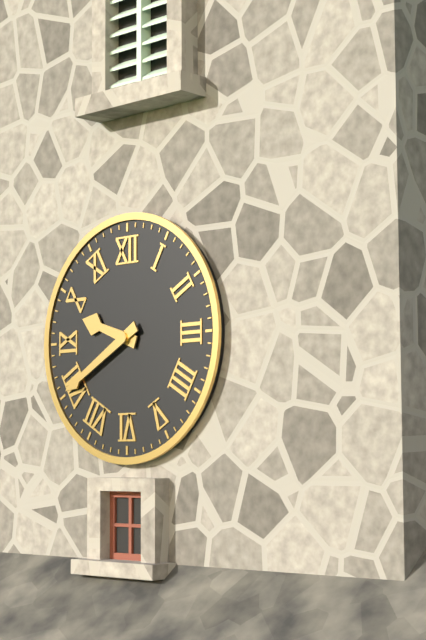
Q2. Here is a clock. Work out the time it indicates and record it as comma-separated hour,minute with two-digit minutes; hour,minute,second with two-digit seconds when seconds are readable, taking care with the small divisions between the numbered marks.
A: 9,40
